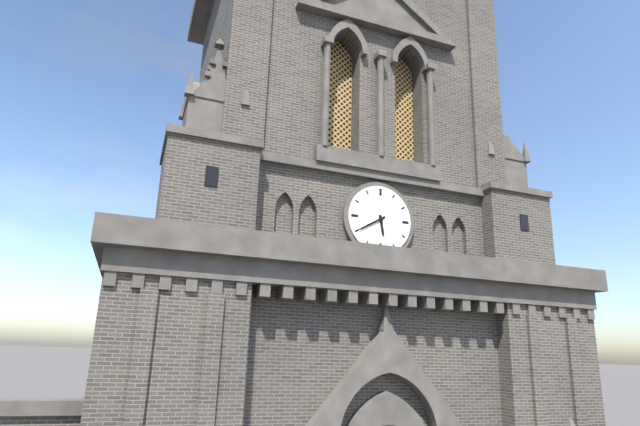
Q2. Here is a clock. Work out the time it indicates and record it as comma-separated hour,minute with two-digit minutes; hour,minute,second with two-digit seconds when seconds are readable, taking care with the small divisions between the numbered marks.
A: 5,40
